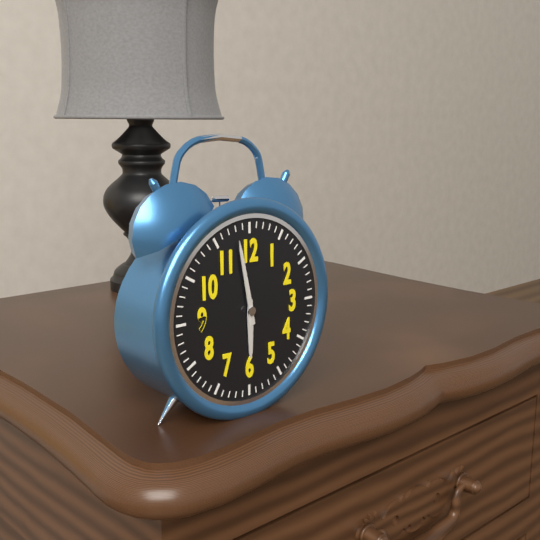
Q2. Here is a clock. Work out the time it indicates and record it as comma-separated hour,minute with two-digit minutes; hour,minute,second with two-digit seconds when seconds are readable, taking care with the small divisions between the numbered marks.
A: 5,58
